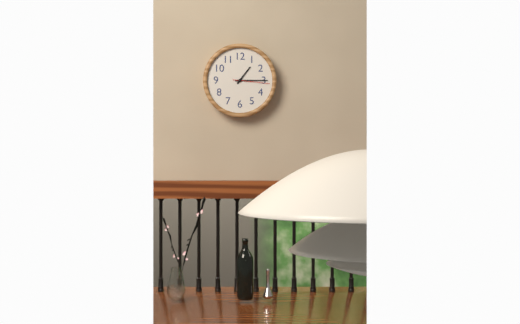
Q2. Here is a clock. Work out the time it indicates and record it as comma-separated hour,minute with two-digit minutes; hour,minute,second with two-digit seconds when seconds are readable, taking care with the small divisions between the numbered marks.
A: 1,15
